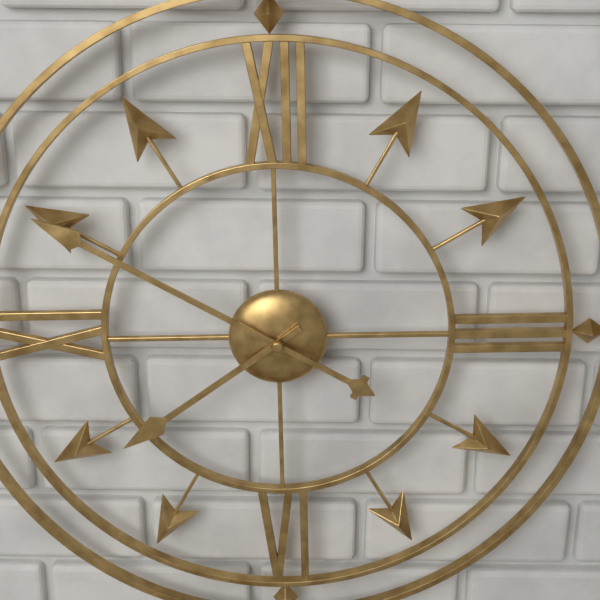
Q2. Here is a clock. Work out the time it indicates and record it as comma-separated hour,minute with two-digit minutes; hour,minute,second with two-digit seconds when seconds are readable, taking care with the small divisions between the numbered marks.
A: 7,50
